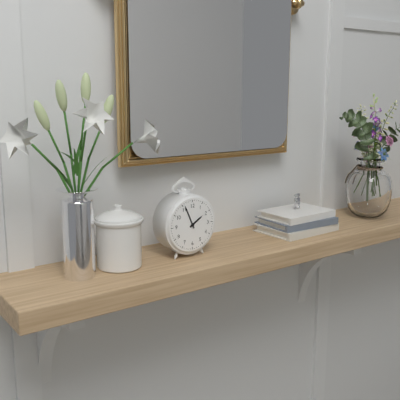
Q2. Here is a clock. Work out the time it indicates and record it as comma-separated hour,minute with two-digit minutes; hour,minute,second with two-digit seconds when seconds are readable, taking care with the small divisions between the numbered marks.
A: 1,56
